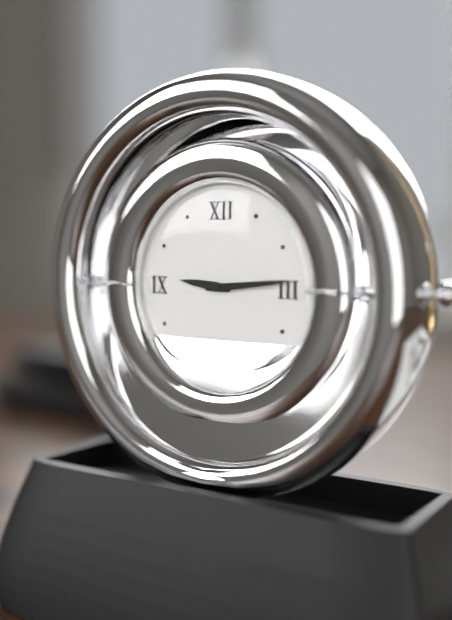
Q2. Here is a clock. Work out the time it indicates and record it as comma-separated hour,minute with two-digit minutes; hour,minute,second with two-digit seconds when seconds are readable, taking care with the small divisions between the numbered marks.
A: 9,14
